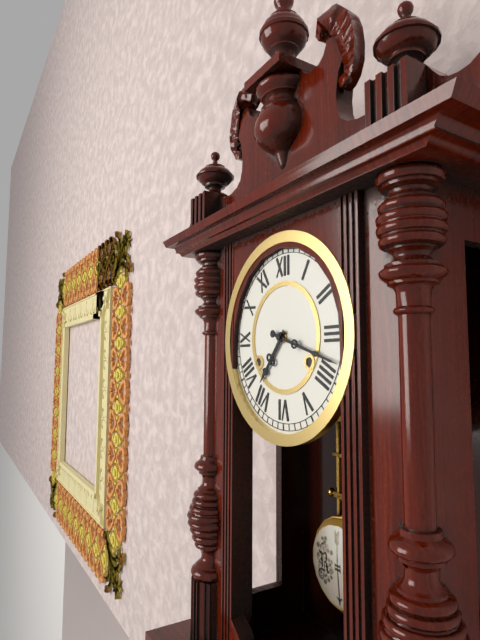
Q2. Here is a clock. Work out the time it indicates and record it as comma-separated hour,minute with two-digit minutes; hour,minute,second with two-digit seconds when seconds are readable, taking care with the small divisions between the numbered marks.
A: 7,18
